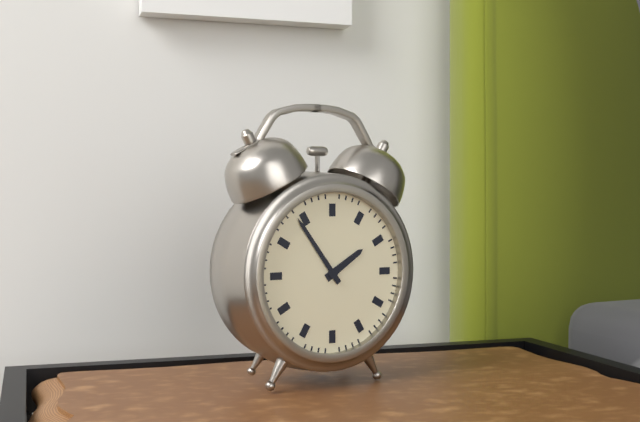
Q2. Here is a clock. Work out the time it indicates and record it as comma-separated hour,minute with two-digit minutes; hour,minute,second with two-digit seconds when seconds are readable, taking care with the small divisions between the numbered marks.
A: 1,54
